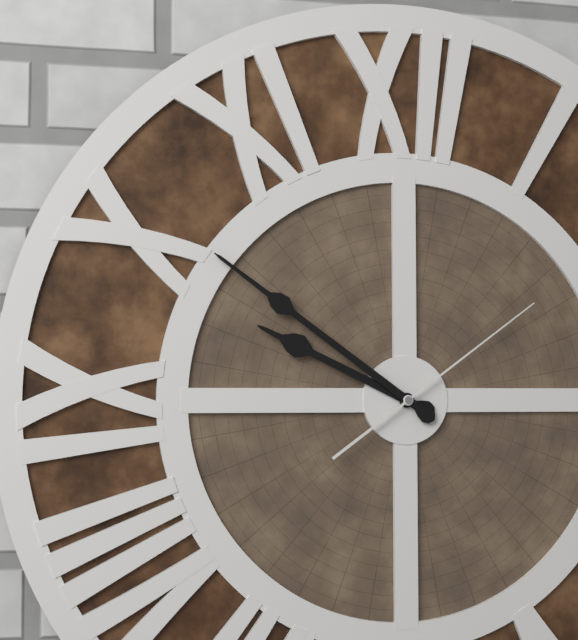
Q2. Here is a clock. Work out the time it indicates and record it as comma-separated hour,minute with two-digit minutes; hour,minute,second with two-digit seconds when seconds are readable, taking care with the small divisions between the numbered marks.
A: 9,51,09
